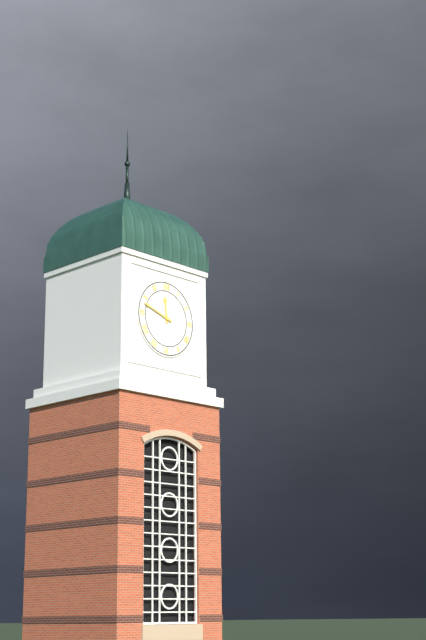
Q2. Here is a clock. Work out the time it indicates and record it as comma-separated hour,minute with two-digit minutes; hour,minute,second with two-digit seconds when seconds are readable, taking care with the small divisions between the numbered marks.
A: 11,48
